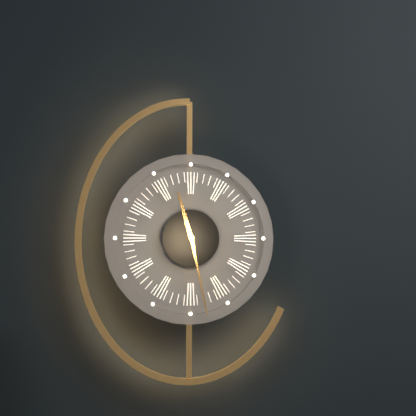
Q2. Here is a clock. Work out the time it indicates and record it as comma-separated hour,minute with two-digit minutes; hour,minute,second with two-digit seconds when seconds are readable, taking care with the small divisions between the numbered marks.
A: 11,28
